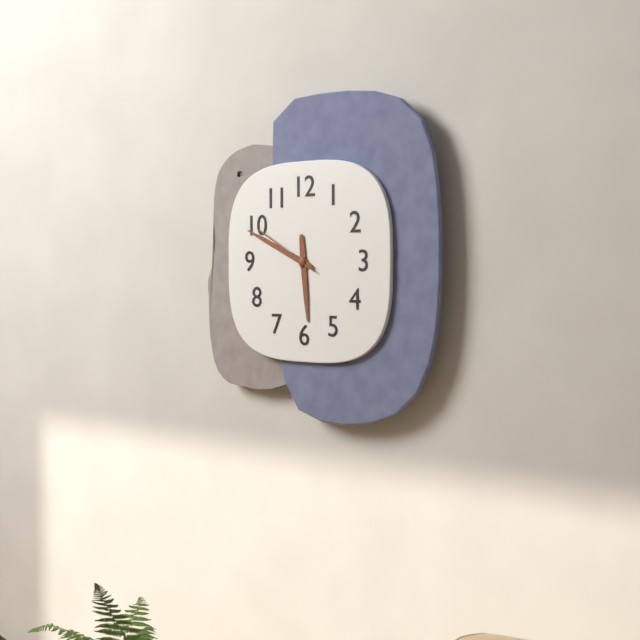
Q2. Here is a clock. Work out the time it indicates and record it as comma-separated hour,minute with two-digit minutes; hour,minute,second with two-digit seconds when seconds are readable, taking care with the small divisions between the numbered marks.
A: 5,49,50
